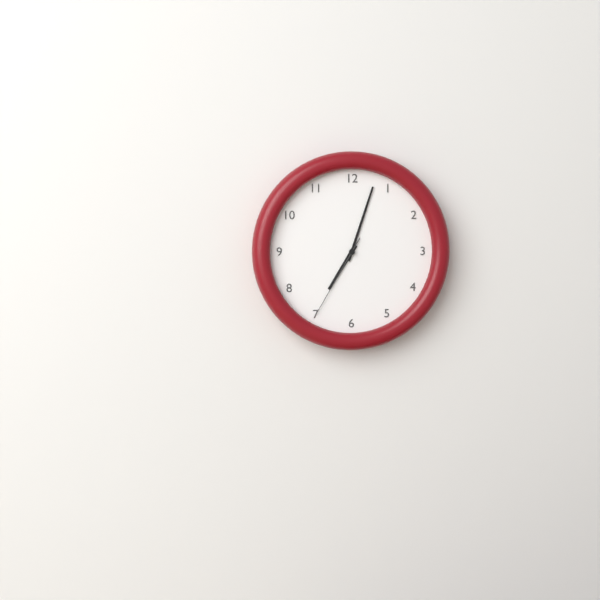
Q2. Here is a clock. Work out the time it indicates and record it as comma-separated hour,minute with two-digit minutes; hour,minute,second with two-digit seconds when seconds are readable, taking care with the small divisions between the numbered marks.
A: 7,03,35
